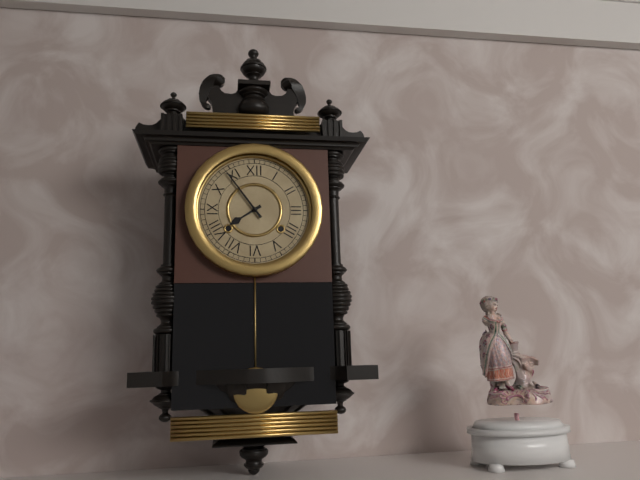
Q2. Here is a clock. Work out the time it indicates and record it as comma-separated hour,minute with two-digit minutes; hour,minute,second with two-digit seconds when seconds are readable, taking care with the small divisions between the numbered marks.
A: 7,54
